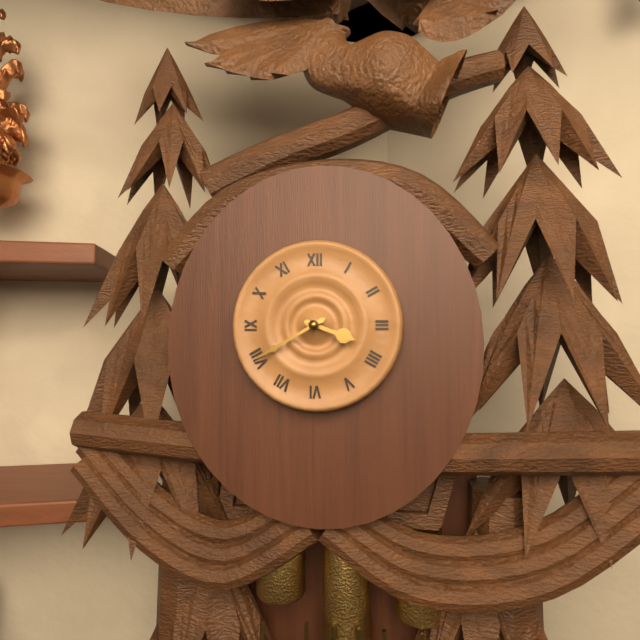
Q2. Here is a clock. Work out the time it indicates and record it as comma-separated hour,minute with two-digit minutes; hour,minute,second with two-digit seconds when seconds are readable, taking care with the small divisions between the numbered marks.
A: 3,40
